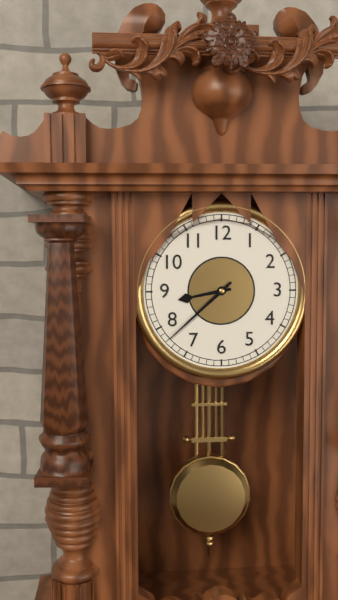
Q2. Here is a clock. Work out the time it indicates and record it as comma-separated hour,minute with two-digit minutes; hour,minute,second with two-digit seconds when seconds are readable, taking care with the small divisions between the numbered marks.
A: 8,38
